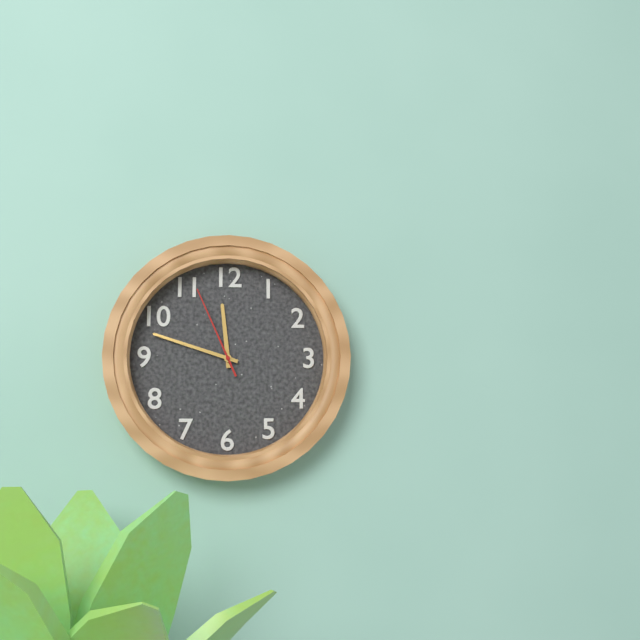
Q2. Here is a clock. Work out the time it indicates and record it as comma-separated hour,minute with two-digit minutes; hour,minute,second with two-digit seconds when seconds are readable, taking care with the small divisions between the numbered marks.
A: 11,48,56
